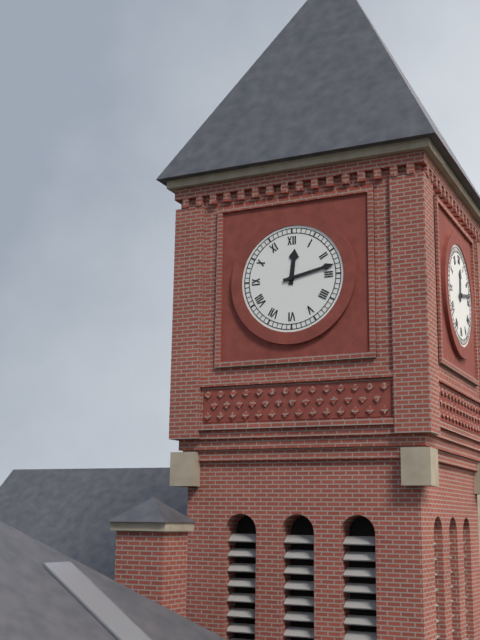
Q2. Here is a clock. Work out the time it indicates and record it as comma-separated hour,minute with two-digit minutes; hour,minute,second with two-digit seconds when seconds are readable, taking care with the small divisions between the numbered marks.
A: 12,13
